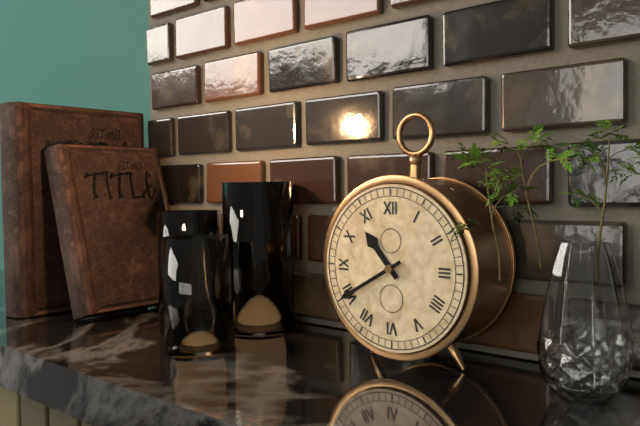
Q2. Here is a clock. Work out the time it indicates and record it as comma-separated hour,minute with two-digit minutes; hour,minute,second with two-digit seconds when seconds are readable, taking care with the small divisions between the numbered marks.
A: 10,40
